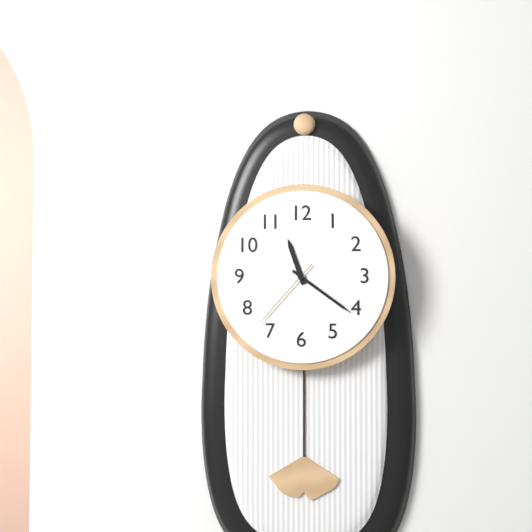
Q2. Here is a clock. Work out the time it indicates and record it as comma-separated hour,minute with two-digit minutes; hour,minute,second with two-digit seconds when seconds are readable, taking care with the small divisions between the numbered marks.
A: 11,21,37
